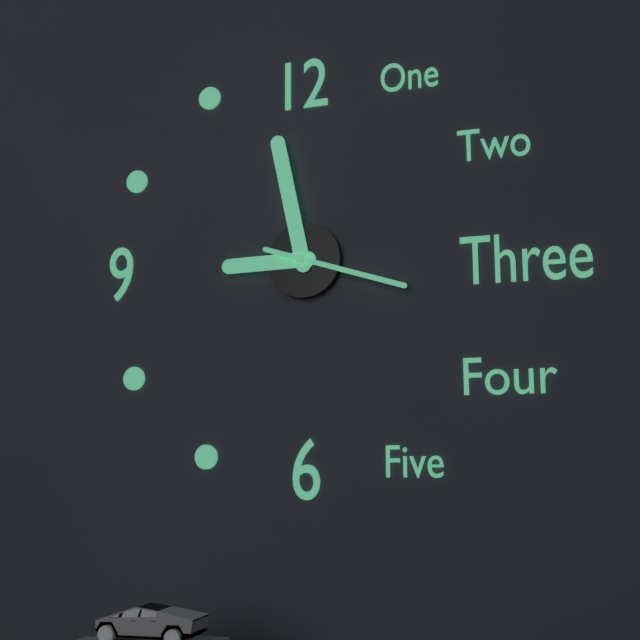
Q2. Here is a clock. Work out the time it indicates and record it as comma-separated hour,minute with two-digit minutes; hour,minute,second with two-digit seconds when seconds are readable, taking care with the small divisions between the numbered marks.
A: 8,58,18
